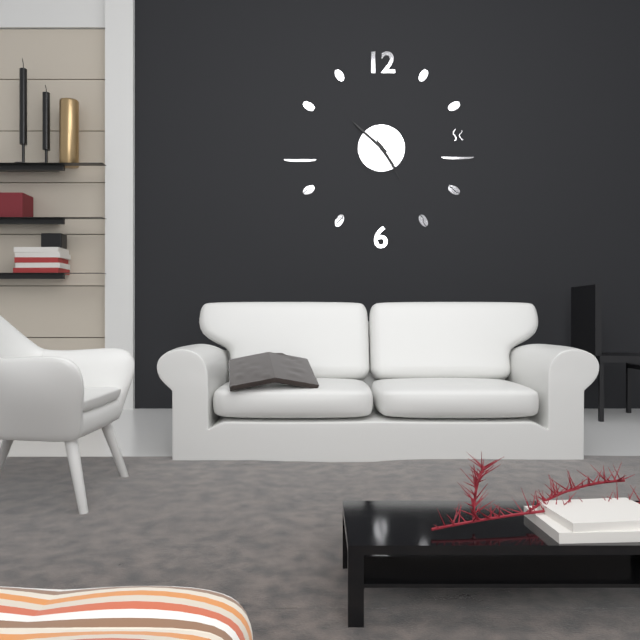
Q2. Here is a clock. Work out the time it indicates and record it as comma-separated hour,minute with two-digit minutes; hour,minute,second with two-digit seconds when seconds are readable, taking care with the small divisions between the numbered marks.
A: 4,52
